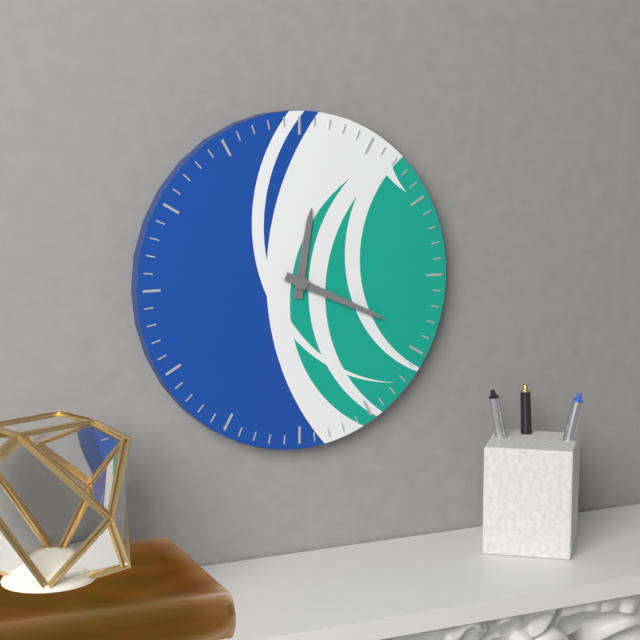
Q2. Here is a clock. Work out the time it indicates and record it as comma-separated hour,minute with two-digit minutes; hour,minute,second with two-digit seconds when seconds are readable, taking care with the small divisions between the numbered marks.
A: 12,19
